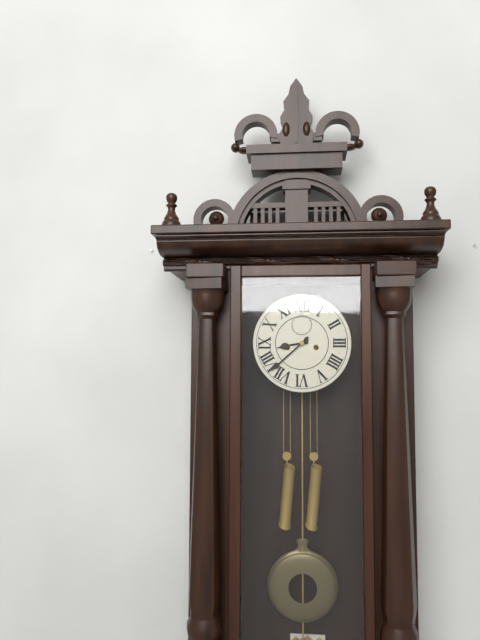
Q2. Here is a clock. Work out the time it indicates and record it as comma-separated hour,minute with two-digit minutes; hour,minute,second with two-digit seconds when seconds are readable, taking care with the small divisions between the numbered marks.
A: 8,38
